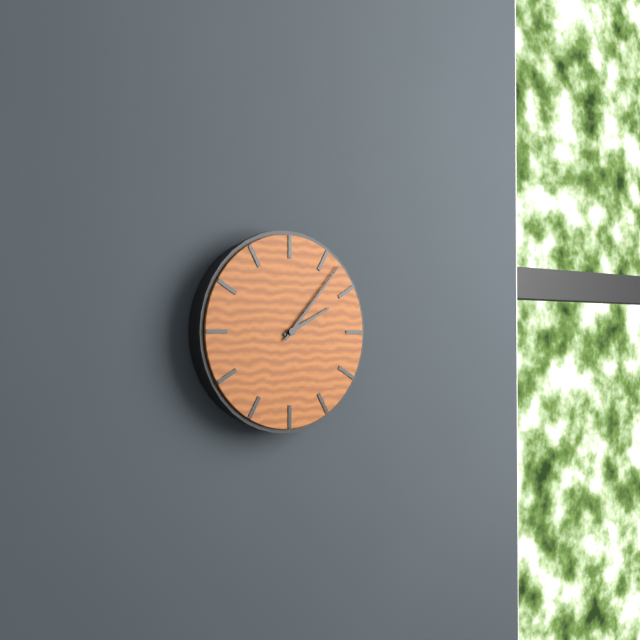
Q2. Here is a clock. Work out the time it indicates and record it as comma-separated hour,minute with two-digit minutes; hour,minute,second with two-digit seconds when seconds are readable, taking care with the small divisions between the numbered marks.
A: 2,07
